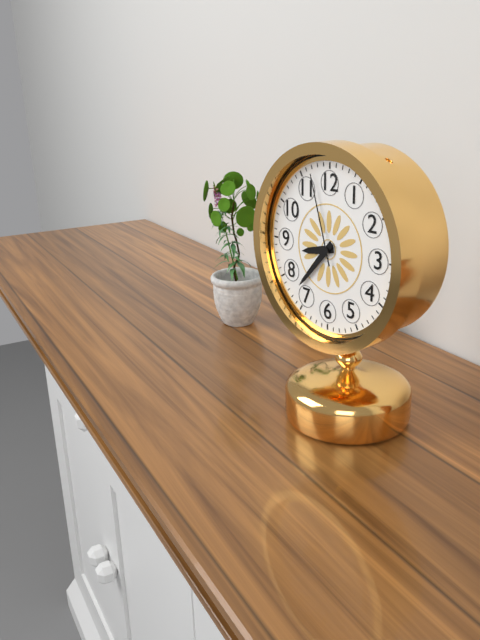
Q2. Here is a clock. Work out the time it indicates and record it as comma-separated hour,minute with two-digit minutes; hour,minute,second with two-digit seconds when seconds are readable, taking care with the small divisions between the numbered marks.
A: 8,37,57
